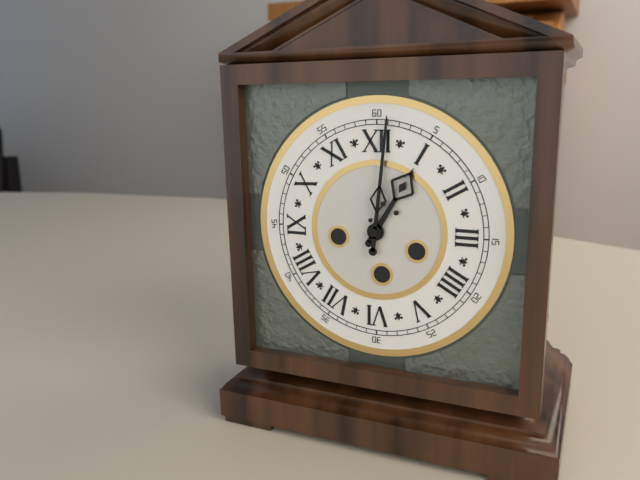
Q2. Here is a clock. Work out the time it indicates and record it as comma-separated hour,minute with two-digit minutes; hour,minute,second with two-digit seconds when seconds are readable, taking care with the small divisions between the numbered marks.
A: 1,01
